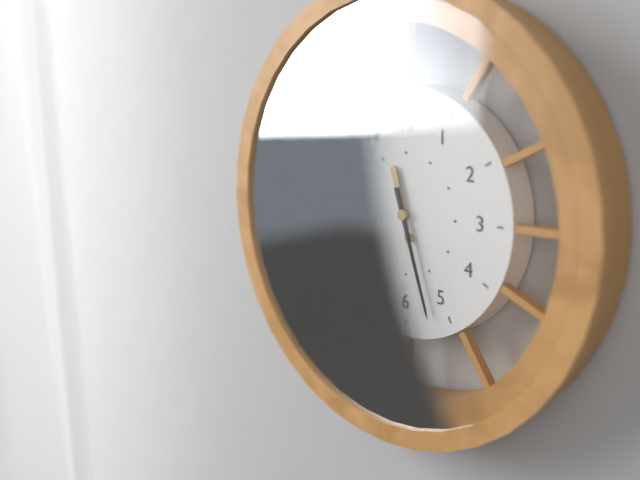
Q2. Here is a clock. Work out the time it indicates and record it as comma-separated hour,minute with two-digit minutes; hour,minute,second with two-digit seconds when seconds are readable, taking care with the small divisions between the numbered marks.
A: 11,27
